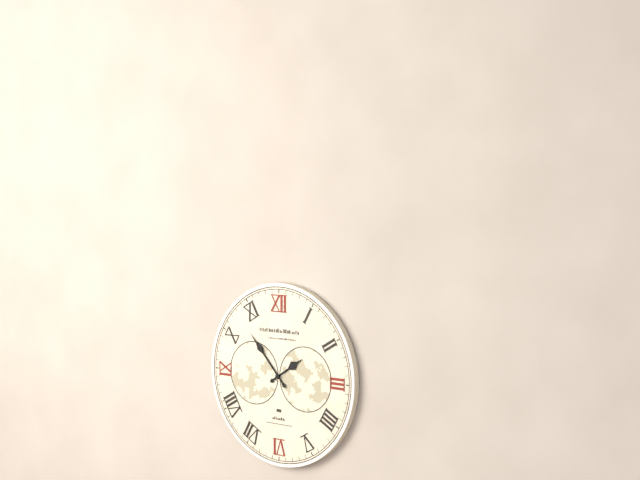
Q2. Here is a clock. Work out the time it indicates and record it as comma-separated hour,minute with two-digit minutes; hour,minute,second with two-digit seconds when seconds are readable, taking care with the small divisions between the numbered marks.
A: 1,53
